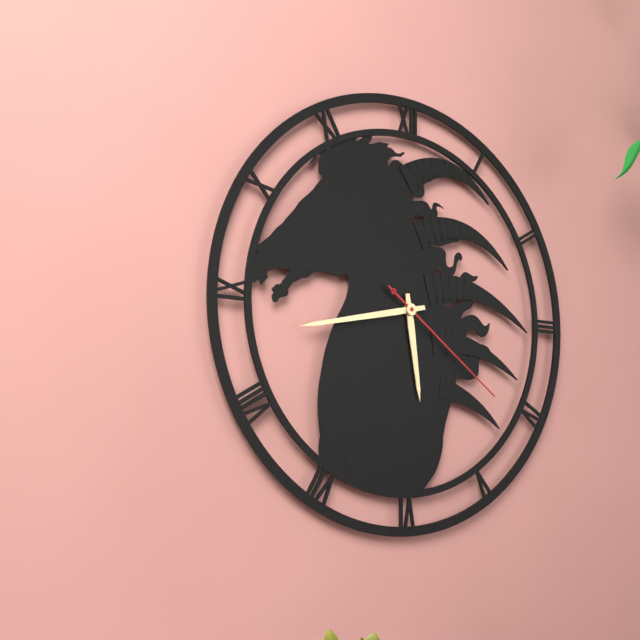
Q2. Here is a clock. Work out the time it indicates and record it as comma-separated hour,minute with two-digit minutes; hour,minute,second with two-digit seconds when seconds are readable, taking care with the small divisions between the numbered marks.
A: 5,43,21
